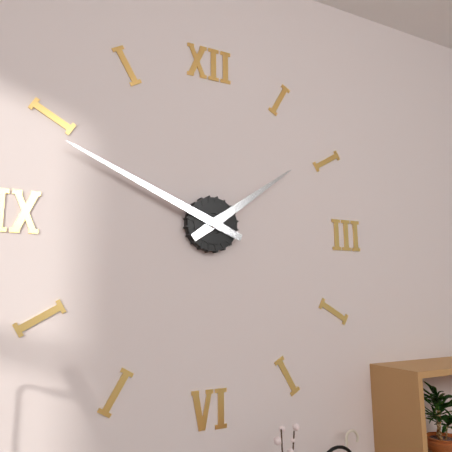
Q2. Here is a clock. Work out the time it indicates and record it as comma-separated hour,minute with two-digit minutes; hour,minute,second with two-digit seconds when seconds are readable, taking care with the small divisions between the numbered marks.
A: 1,49
